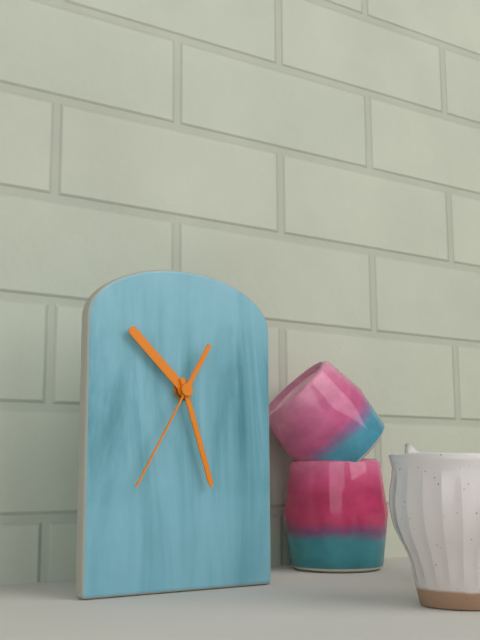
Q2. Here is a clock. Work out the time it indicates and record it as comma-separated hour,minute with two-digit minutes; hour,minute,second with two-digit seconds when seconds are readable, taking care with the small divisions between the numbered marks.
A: 10,27,35
